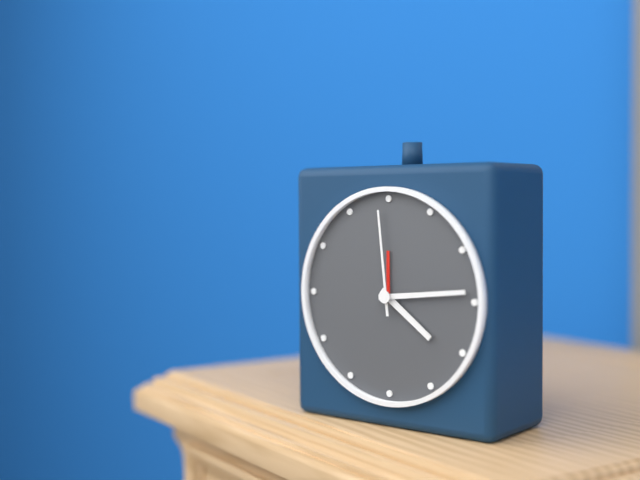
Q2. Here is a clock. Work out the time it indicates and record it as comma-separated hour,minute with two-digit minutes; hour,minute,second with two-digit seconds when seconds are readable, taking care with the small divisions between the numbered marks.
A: 4,14,59
